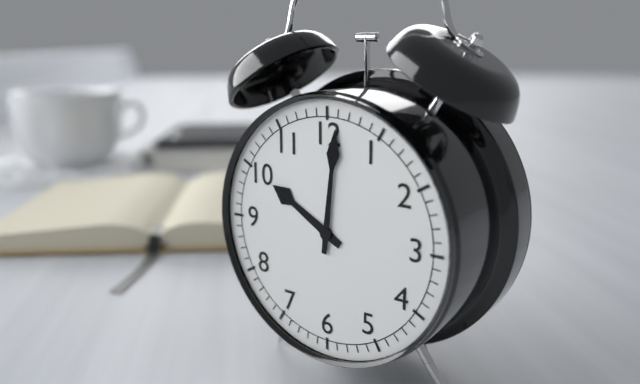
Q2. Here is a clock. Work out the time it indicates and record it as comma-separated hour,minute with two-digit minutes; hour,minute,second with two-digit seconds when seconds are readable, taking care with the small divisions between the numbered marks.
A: 10,01
